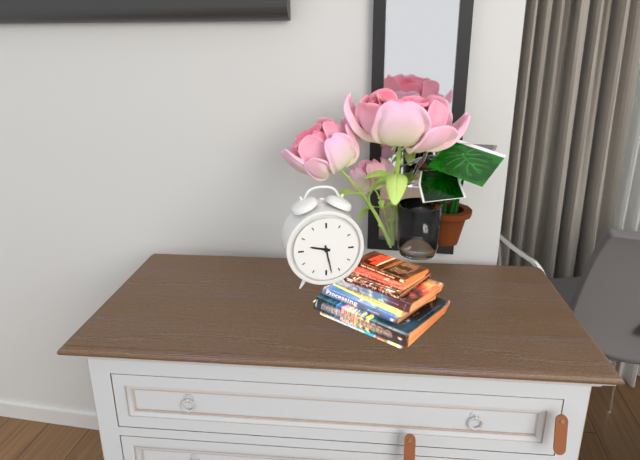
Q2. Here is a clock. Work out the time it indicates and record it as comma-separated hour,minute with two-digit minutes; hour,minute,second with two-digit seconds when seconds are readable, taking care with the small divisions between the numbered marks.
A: 9,28
